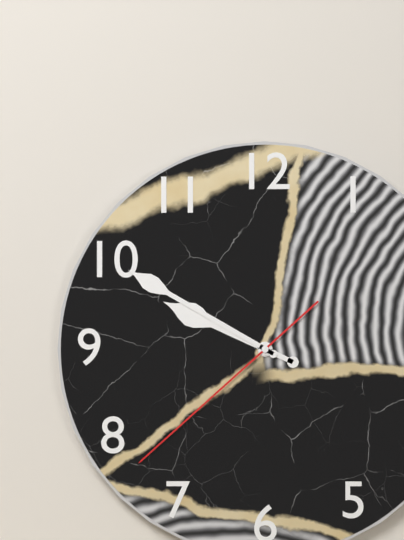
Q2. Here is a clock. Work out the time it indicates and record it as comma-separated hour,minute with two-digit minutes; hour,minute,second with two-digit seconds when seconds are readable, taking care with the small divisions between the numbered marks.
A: 9,50,38
